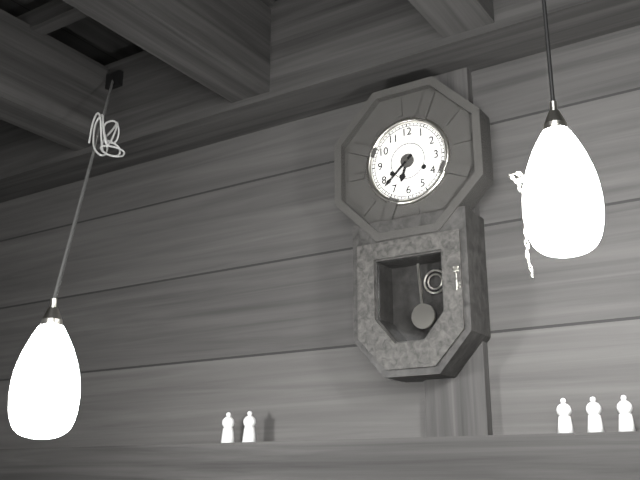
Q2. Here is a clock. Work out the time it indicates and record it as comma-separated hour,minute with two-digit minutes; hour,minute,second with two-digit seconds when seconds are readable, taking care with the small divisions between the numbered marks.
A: 6,38
